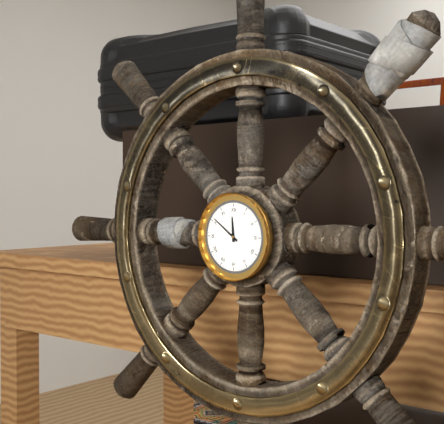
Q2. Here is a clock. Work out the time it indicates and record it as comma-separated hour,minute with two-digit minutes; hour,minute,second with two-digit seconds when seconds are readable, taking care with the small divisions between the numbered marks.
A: 11,51
